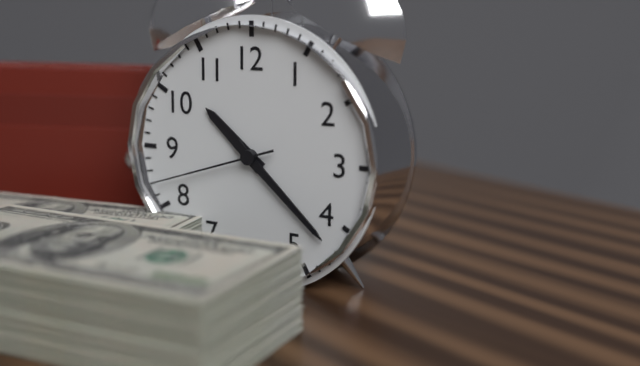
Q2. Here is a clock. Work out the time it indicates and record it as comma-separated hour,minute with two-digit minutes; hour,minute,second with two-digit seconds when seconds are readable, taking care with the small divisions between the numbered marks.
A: 10,22,42
